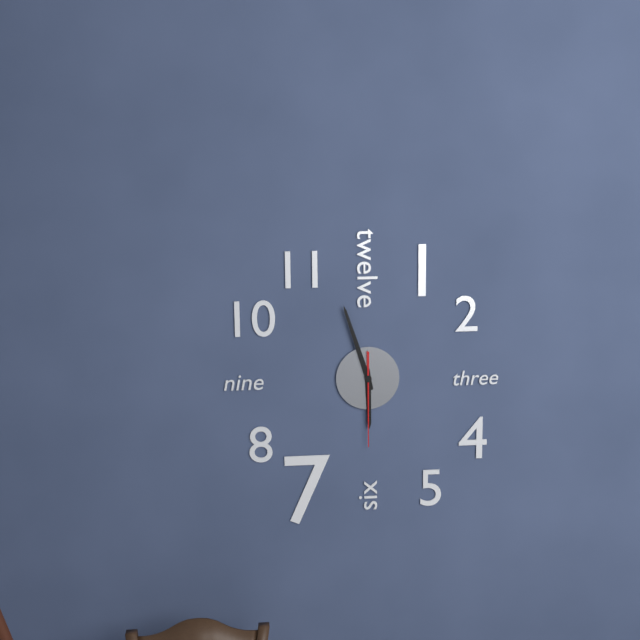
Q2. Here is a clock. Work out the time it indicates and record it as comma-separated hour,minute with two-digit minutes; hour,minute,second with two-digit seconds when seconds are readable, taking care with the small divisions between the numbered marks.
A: 5,57,30
